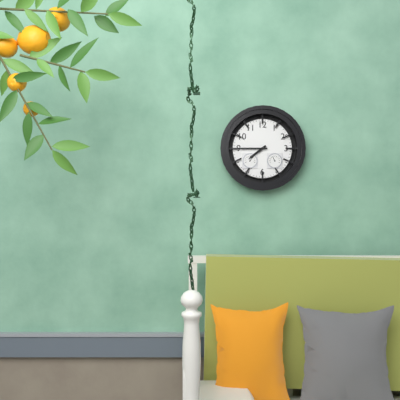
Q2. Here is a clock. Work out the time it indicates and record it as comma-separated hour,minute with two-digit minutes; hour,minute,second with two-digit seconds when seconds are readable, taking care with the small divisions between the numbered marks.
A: 7,45
